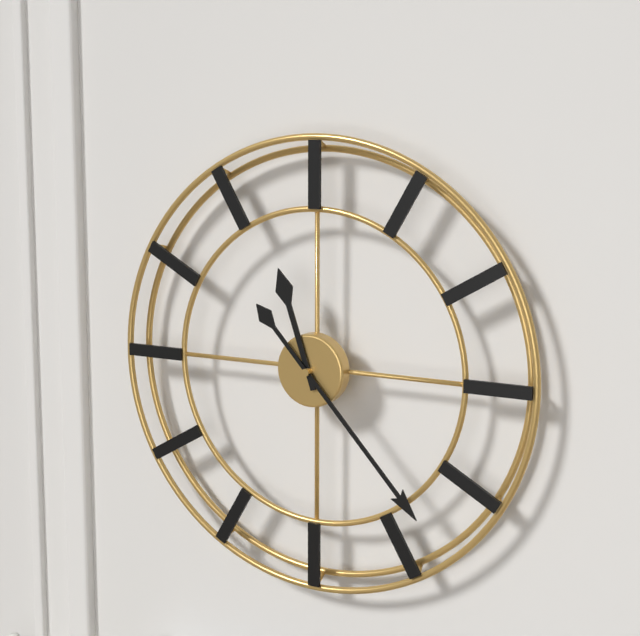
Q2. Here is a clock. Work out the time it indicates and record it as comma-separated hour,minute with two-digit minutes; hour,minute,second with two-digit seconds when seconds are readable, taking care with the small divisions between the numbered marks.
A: 11,23
